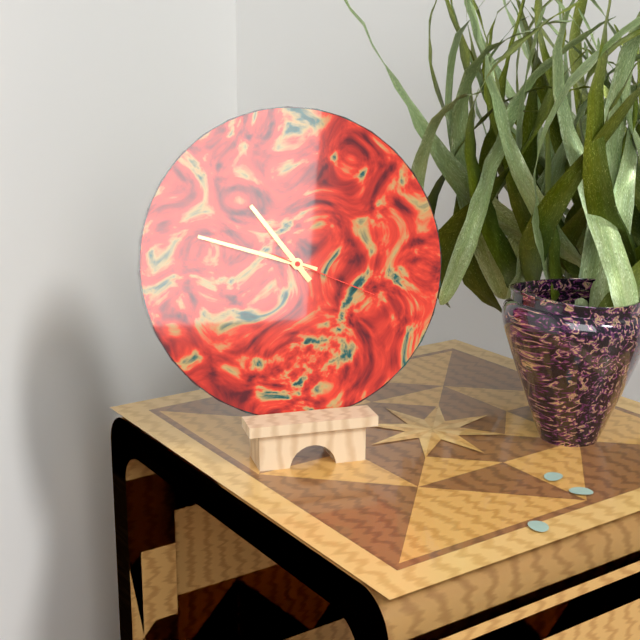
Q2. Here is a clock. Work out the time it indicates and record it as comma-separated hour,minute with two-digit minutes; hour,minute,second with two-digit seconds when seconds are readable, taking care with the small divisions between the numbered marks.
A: 10,48,19
